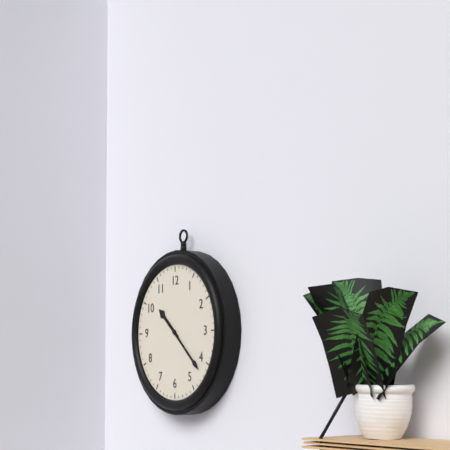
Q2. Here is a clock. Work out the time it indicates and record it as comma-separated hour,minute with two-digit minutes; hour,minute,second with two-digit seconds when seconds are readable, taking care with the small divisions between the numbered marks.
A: 10,22
